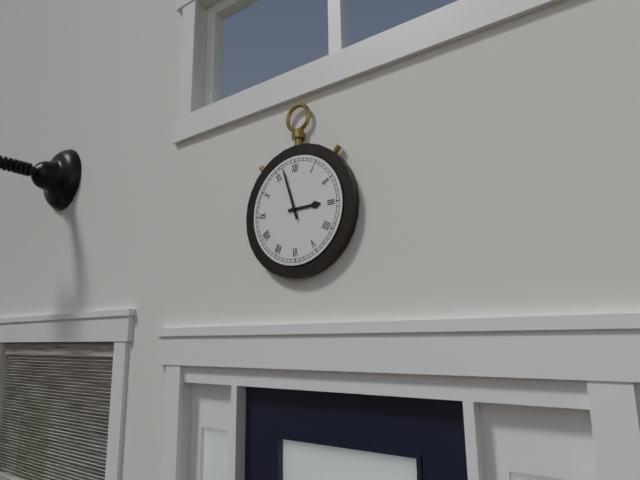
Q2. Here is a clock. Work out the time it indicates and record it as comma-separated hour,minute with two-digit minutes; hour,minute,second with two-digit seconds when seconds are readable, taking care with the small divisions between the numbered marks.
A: 2,57
